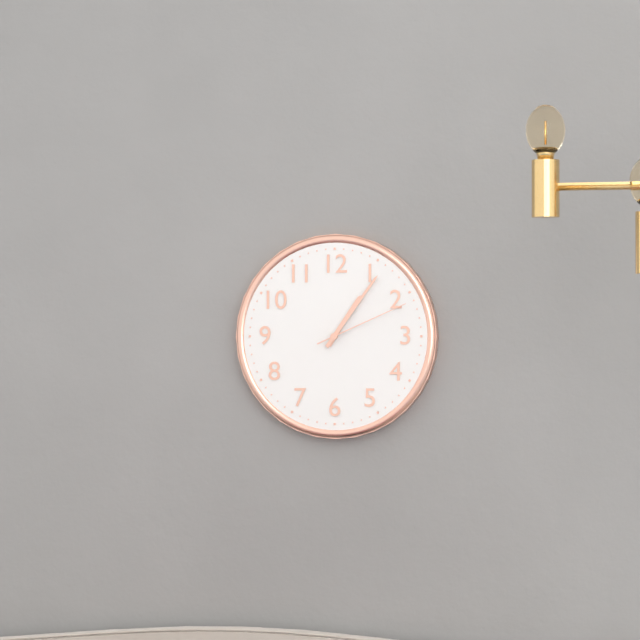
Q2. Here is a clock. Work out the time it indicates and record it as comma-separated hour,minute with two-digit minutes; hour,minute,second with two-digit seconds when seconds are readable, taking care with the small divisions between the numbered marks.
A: 1,06,11
